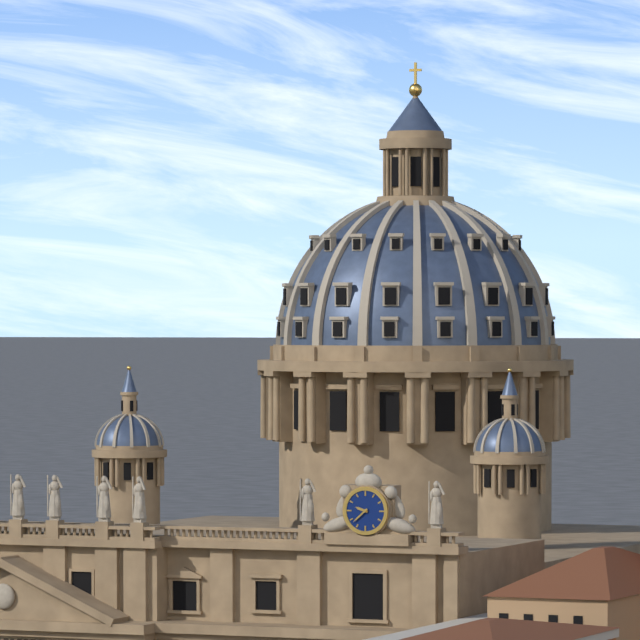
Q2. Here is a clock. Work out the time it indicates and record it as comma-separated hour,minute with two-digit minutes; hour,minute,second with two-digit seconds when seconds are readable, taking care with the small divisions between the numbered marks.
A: 9,38
